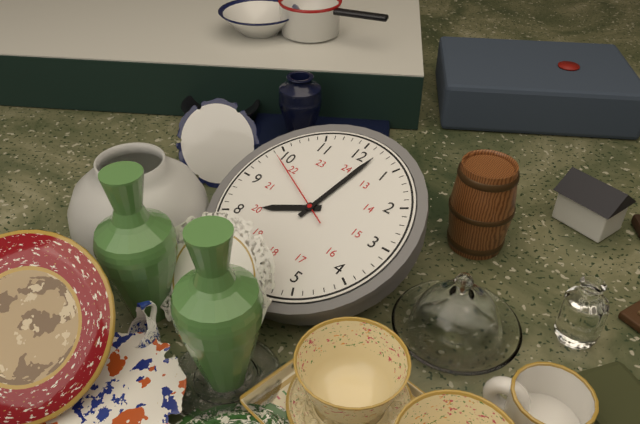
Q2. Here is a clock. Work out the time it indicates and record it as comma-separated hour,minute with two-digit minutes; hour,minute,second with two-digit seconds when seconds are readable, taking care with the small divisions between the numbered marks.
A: 8,02,49
